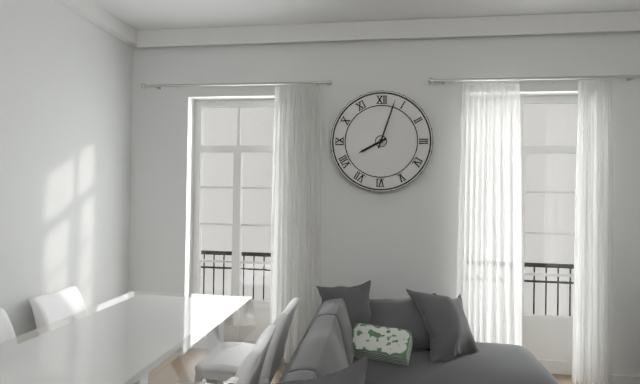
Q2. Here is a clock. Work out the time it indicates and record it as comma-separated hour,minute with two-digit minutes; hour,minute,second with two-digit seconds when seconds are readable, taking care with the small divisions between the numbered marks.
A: 8,03
